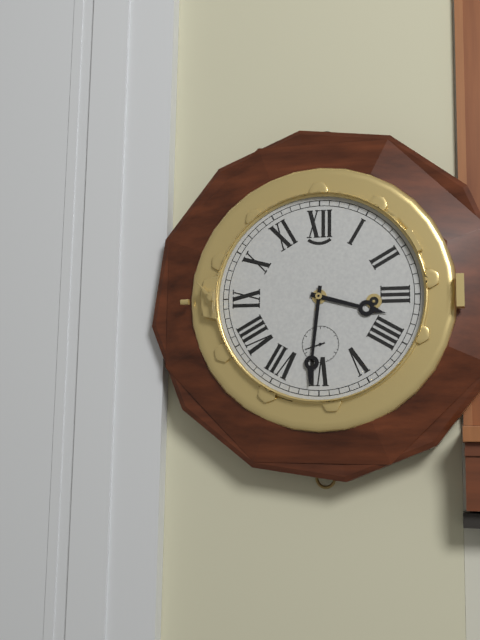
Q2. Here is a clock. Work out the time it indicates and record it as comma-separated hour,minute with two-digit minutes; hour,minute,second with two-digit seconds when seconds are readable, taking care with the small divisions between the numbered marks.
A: 3,31
